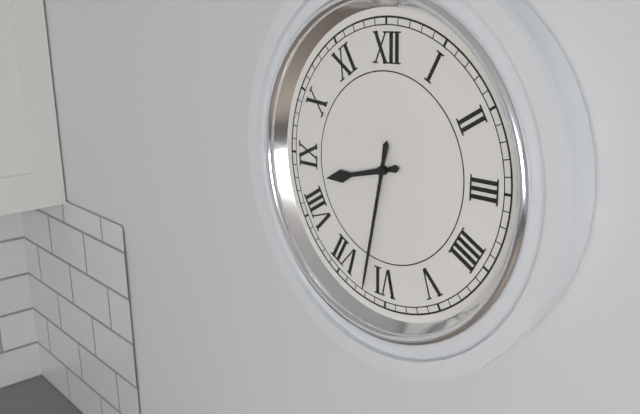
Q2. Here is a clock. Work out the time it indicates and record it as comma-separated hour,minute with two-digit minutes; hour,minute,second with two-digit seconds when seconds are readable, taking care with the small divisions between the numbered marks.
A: 8,32
